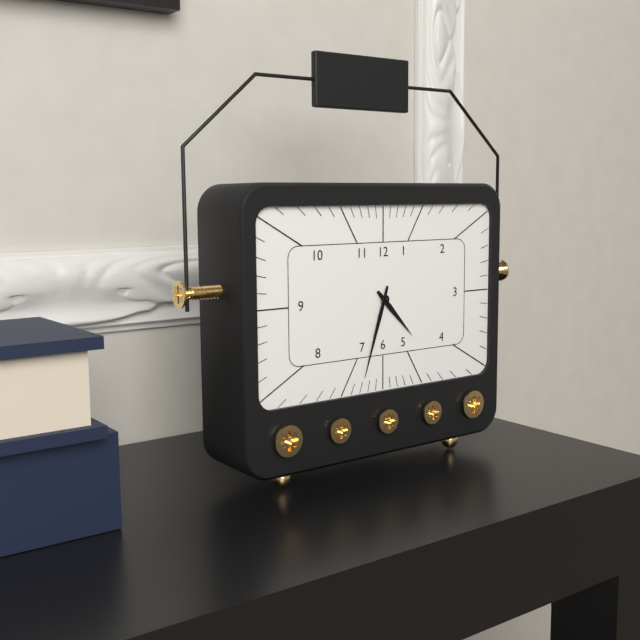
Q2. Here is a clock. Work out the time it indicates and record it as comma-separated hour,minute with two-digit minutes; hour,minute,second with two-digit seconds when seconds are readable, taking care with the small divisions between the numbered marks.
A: 4,33
